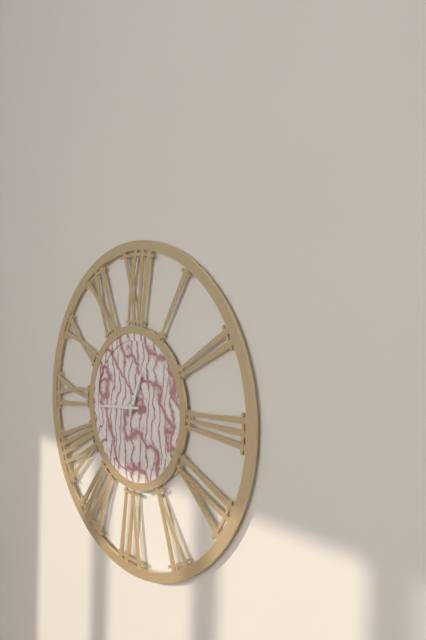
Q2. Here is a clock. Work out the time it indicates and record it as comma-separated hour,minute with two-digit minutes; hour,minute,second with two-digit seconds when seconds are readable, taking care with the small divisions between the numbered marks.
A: 12,44
